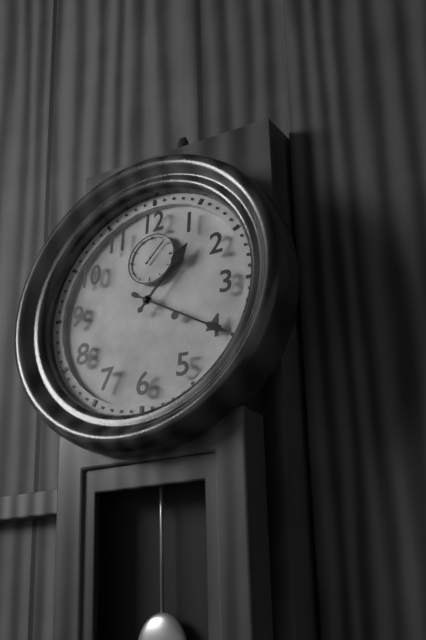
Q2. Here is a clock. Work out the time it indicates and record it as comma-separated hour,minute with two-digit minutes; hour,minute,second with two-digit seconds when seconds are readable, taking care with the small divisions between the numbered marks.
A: 1,20
